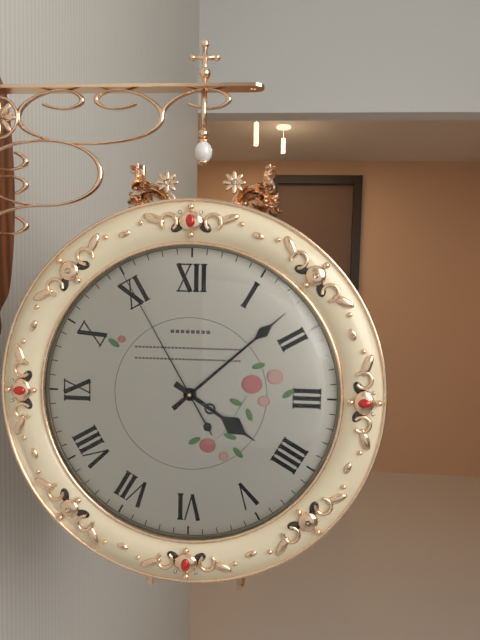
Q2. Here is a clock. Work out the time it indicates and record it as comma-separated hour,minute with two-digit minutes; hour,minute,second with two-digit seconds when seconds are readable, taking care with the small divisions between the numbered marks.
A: 4,08,55
